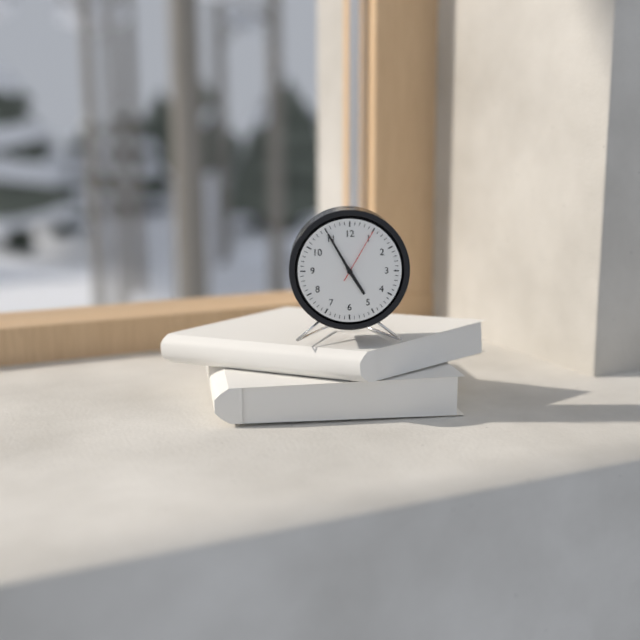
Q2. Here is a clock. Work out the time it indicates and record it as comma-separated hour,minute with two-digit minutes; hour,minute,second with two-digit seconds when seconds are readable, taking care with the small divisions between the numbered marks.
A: 4,55,05
